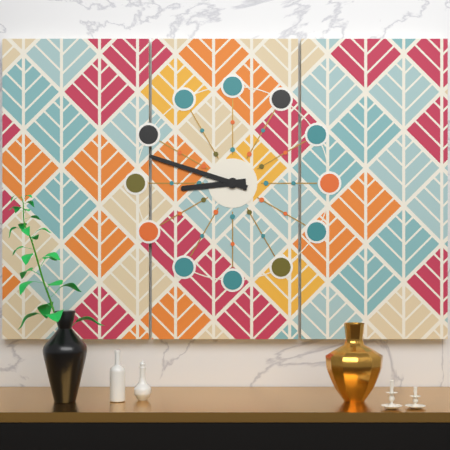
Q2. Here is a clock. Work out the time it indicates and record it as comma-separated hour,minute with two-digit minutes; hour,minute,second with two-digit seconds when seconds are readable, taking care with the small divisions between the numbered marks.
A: 8,48
